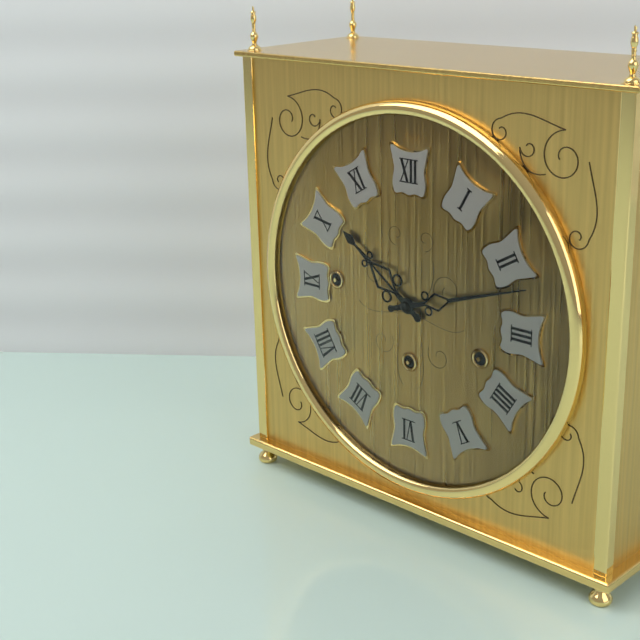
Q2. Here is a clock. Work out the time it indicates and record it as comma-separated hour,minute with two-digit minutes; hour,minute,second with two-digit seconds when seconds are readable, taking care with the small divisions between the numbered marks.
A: 10,12
